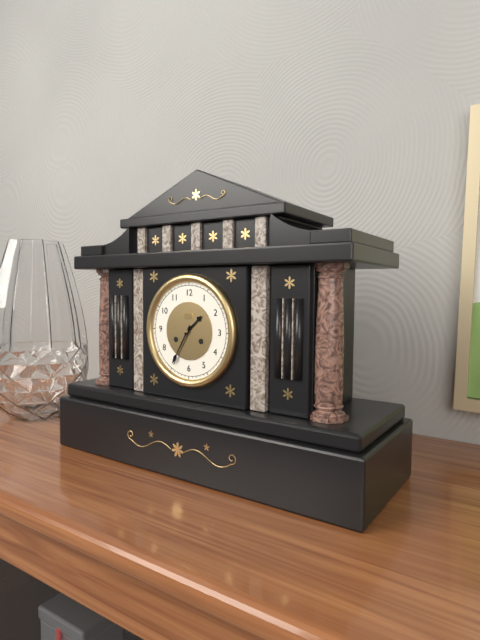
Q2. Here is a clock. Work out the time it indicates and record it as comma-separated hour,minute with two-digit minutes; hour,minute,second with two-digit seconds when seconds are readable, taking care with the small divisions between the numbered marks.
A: 1,35
